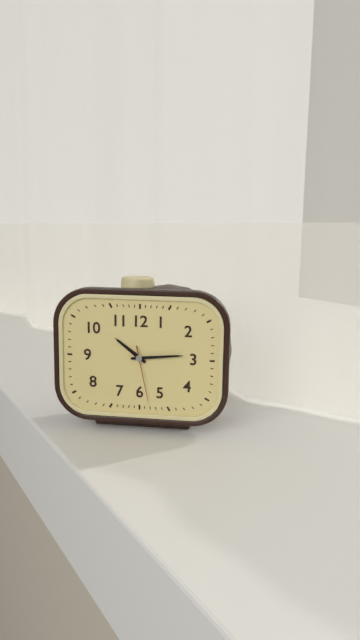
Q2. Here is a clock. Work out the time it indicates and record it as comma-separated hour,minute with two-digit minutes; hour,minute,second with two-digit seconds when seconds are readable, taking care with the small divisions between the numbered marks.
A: 10,14,28
